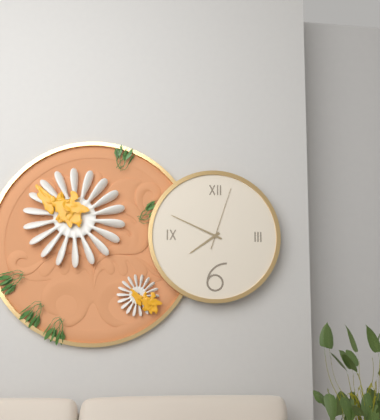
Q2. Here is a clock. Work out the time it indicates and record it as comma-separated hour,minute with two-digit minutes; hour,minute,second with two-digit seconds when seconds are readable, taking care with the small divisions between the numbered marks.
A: 7,49,03
